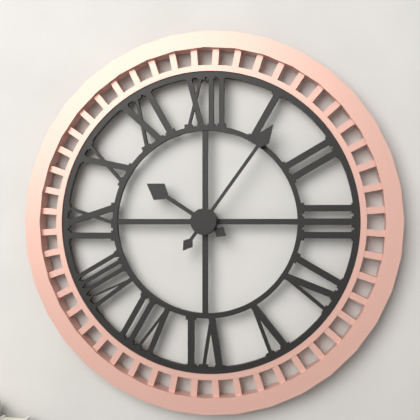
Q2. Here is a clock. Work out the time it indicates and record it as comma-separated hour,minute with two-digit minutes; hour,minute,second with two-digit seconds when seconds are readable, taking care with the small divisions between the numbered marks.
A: 10,06
